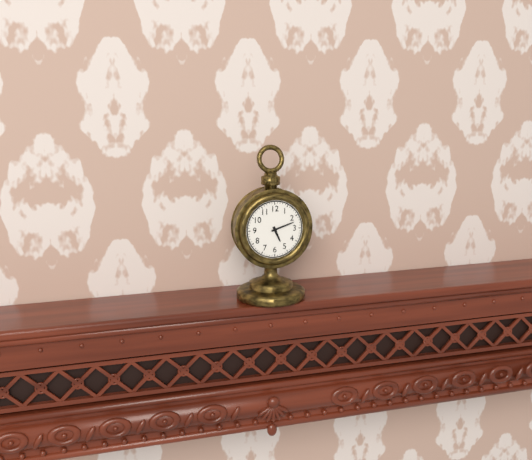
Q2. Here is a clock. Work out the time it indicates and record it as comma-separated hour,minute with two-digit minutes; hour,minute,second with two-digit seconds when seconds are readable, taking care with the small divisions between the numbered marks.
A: 5,12
